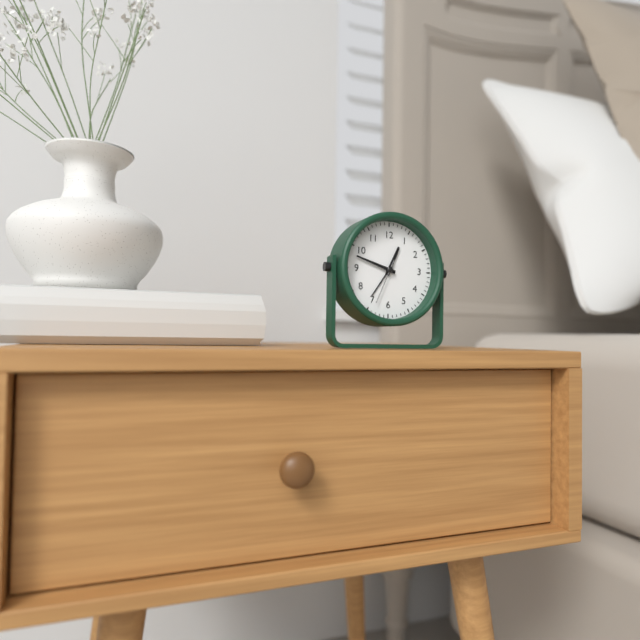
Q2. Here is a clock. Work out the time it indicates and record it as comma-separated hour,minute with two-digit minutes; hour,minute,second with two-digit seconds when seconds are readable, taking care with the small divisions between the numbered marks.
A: 12,48
